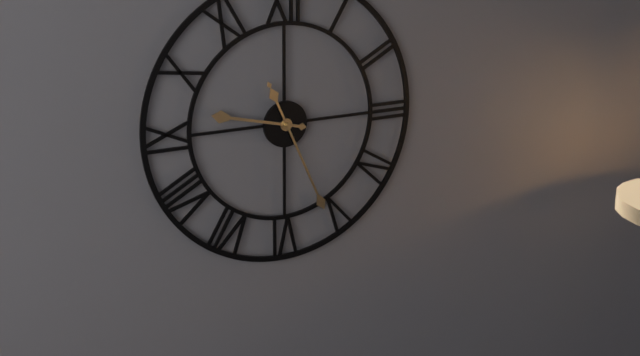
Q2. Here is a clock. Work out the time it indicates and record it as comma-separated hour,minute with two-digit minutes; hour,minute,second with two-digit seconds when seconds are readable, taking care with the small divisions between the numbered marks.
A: 9,26
